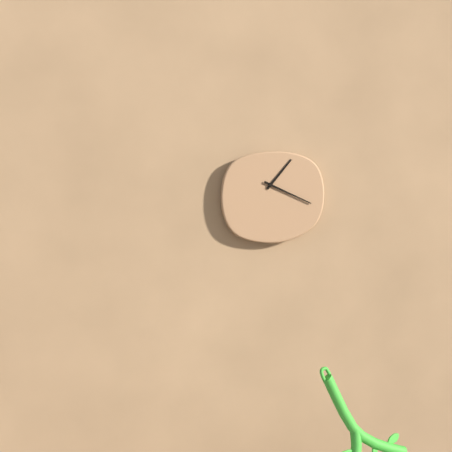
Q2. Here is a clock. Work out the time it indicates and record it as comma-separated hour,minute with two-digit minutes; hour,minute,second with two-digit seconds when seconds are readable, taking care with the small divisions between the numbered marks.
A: 1,19
